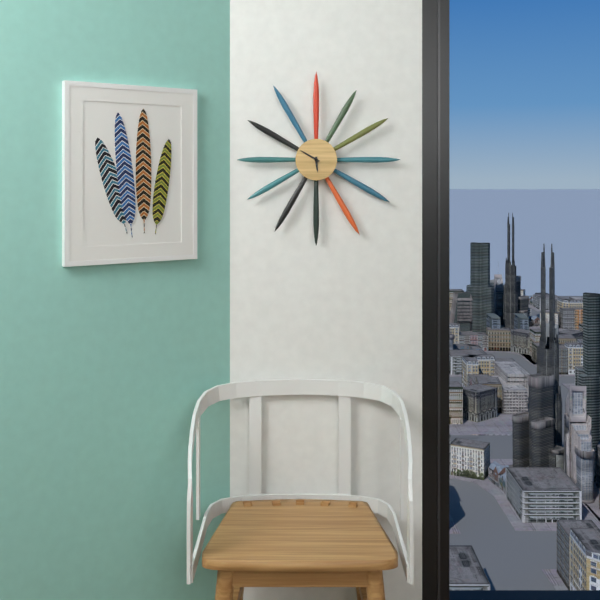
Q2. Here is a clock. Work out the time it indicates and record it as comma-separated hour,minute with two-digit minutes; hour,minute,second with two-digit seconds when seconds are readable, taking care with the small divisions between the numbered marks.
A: 5,50
